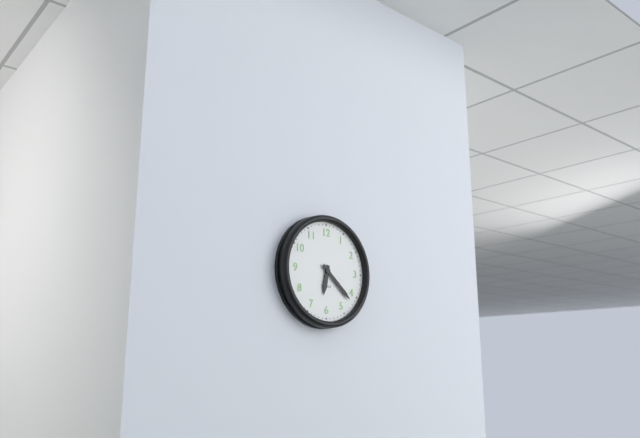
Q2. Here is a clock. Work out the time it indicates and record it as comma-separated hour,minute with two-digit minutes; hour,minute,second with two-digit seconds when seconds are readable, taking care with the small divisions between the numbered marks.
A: 6,22
